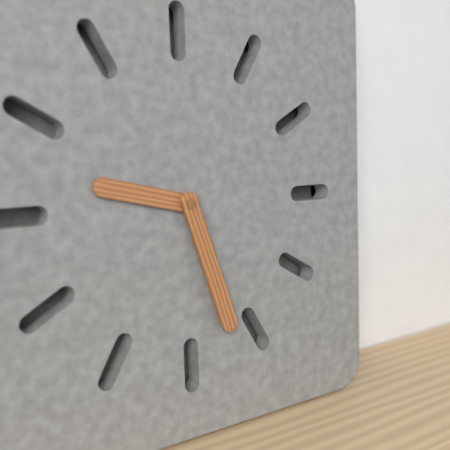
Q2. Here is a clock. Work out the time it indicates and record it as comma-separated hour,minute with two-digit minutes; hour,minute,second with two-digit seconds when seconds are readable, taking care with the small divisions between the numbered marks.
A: 9,27
